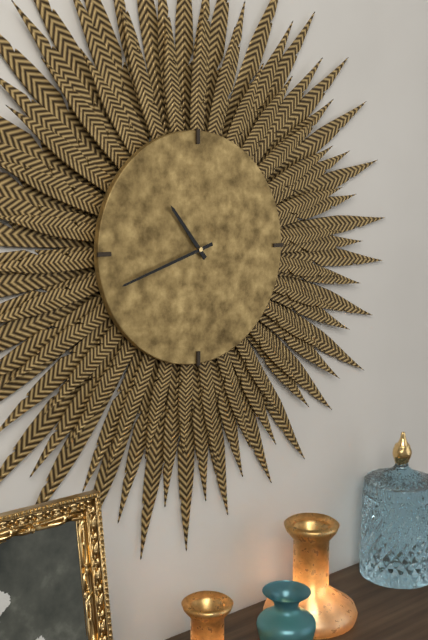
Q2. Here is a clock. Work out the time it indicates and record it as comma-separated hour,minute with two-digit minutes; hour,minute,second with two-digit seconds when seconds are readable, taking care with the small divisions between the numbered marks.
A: 10,42
